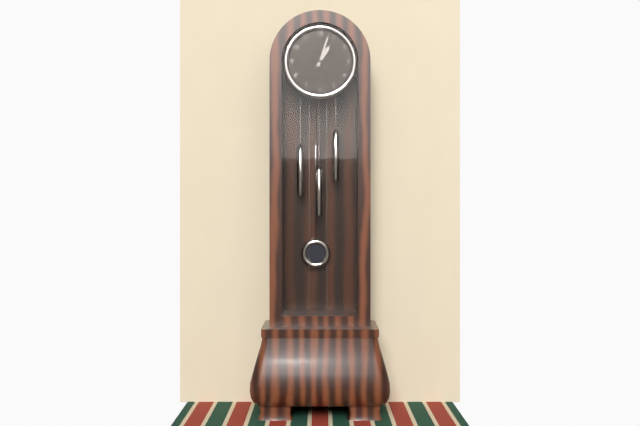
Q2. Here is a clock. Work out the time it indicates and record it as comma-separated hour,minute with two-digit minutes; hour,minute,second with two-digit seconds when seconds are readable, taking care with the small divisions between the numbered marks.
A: 1,03
